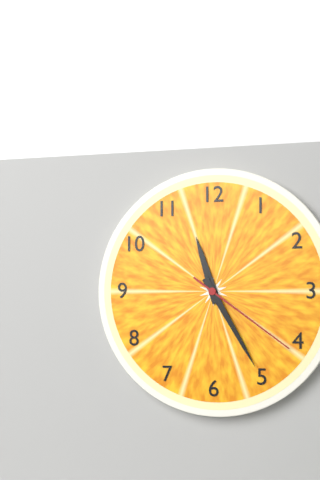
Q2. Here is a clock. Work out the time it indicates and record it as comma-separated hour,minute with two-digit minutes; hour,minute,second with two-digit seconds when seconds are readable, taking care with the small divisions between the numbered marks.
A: 11,25,21
